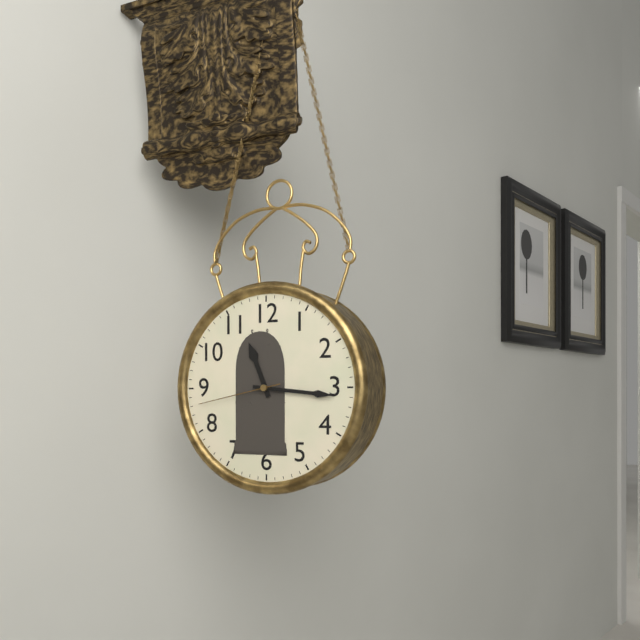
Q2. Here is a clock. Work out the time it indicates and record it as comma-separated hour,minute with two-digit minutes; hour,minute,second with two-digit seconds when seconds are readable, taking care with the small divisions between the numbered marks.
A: 11,16,43
